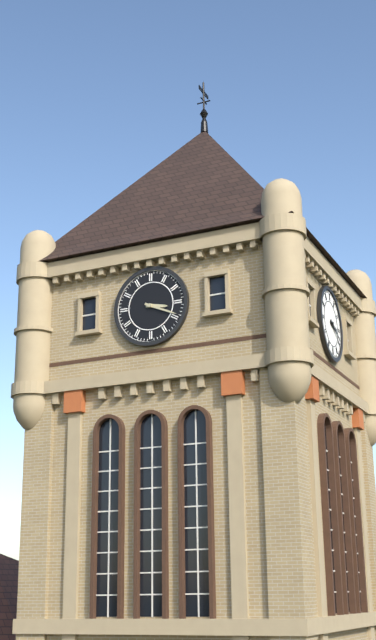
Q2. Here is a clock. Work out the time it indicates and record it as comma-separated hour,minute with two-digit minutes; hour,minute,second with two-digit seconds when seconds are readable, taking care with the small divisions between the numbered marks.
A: 3,19
